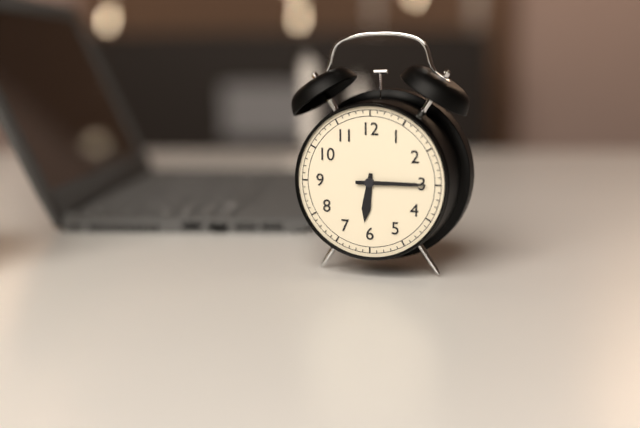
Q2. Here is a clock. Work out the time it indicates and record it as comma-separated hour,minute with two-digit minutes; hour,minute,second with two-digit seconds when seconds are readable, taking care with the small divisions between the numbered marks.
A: 6,15
